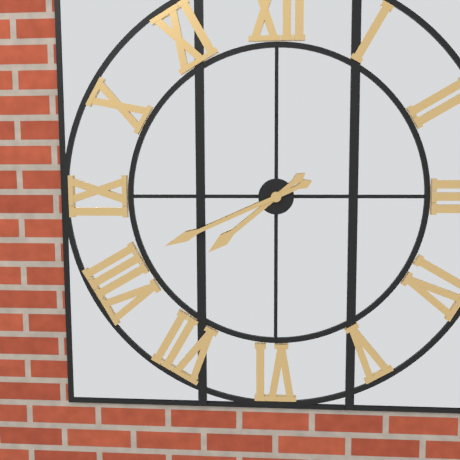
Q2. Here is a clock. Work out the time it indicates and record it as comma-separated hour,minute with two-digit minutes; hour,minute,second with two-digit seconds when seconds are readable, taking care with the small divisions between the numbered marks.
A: 7,41
